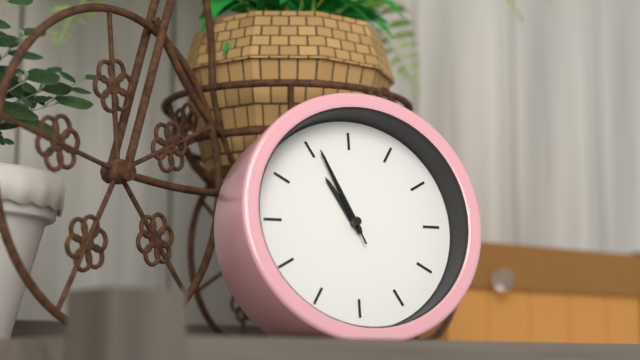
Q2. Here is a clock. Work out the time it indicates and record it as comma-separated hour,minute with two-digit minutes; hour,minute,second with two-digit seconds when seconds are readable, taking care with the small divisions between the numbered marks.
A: 10,56,56
